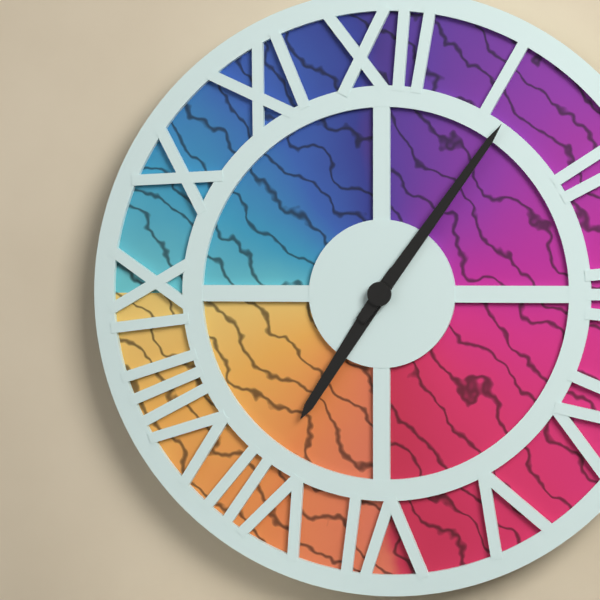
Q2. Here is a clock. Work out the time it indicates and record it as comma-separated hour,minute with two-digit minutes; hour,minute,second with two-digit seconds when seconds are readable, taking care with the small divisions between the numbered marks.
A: 7,06
